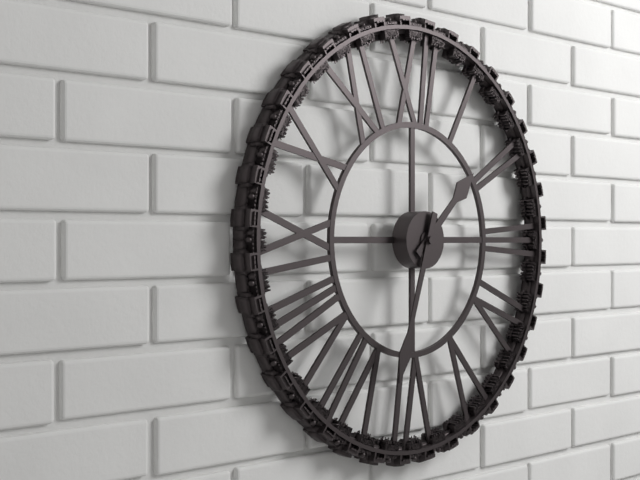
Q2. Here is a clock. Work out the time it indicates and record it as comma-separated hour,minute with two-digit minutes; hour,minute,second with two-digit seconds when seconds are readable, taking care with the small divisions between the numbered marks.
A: 1,33
